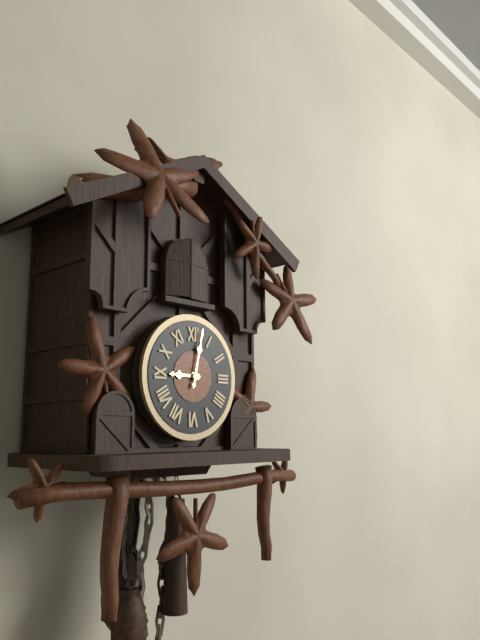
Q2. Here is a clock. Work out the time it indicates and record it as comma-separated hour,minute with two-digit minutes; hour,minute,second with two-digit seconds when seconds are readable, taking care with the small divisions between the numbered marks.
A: 9,02
